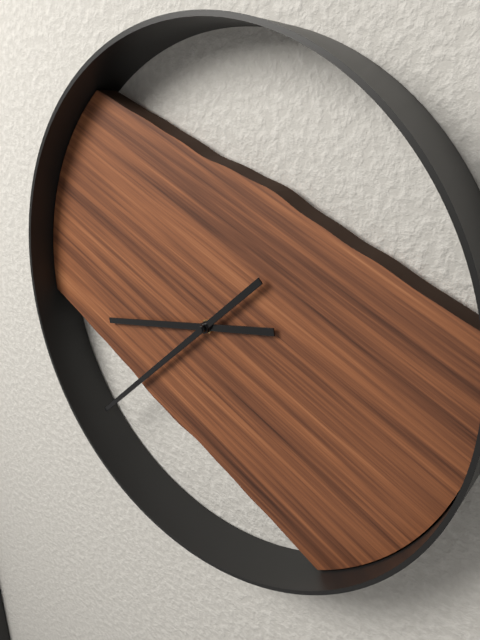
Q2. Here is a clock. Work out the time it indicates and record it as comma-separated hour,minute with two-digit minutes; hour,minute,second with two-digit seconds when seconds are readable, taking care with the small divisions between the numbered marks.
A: 8,38
